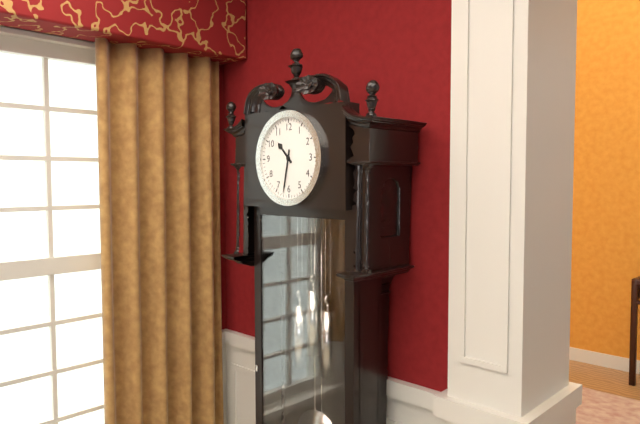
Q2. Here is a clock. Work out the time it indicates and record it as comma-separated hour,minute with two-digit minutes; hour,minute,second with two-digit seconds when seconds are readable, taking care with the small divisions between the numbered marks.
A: 10,32
